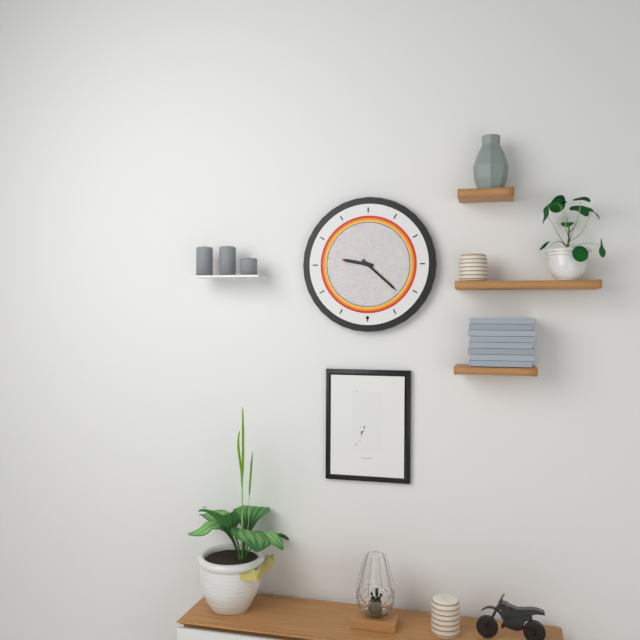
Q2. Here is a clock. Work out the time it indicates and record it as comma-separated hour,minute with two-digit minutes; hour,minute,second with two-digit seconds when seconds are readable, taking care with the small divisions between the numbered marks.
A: 9,22
